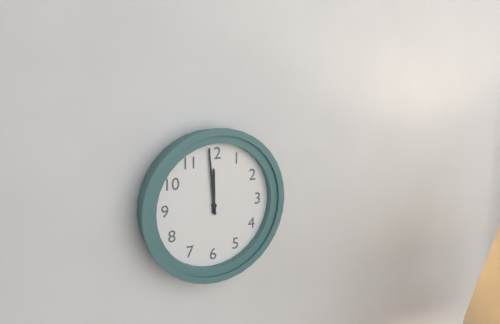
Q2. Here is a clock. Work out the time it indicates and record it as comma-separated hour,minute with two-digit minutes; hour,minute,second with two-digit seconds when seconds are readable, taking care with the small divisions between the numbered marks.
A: 11,59
